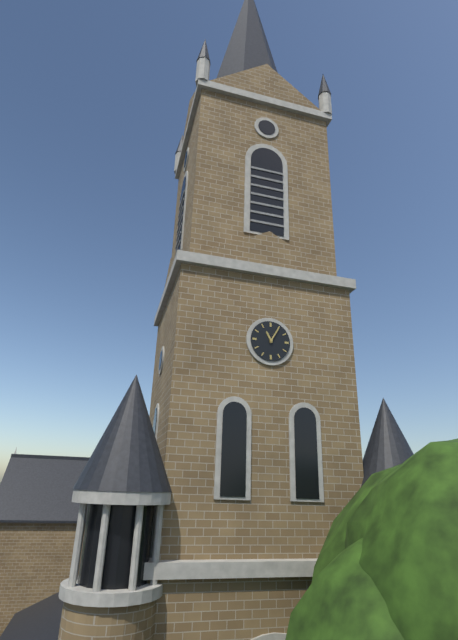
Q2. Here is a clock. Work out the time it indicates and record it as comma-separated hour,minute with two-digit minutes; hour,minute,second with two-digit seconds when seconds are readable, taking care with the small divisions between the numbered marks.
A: 11,05
